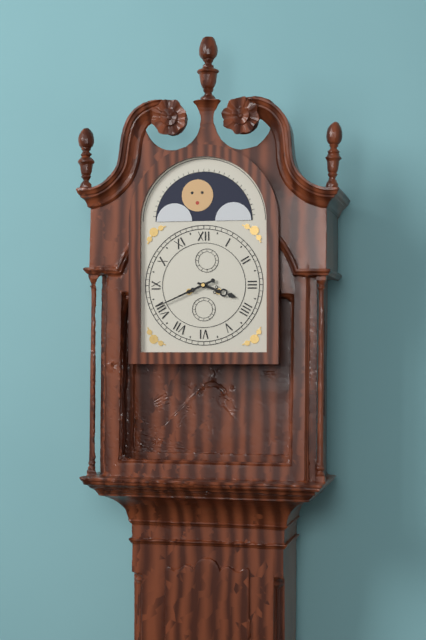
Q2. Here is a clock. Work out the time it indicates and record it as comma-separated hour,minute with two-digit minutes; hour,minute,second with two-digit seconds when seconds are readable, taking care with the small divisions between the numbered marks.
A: 3,41
